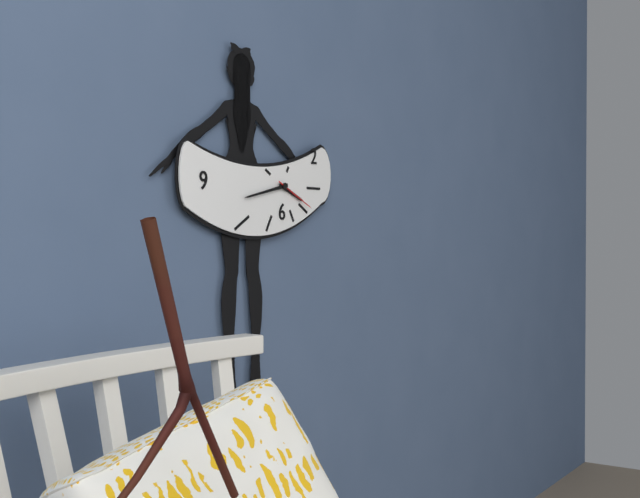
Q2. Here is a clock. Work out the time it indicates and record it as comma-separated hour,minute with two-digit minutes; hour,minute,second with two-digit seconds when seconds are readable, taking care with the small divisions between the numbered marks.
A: 3,43
